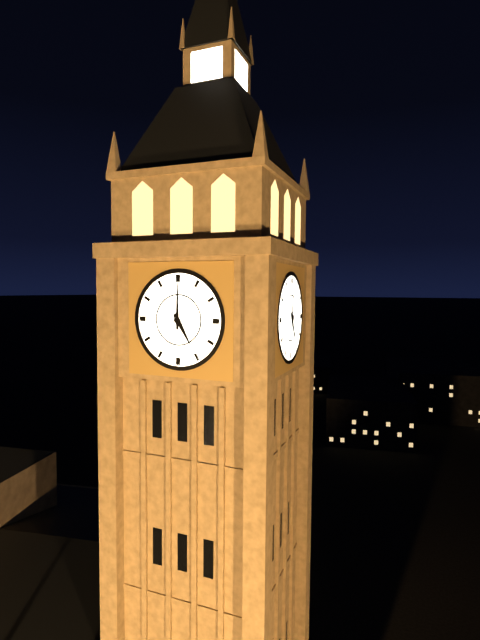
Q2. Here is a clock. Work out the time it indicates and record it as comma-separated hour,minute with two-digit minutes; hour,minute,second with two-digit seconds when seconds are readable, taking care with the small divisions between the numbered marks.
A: 5,00
